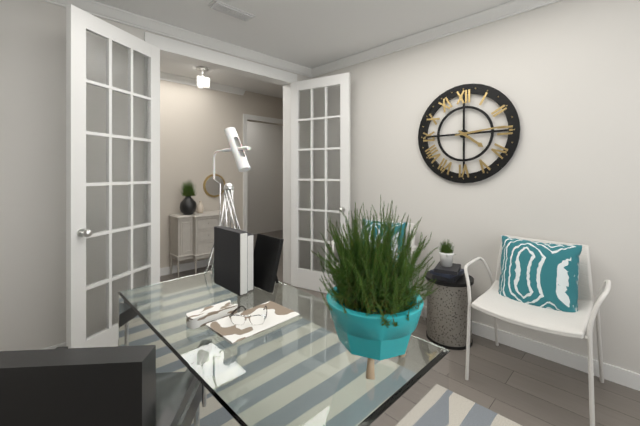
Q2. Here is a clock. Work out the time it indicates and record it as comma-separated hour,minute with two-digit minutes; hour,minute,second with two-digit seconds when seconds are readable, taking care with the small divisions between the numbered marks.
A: 4,14
